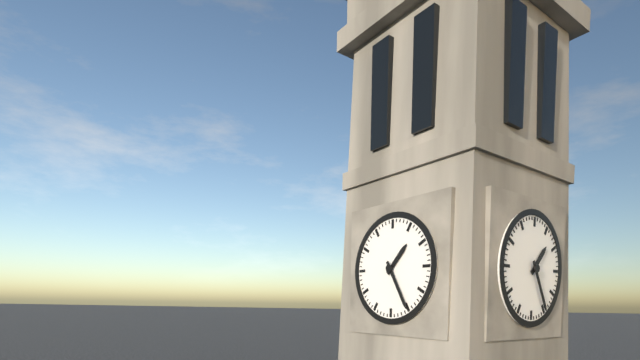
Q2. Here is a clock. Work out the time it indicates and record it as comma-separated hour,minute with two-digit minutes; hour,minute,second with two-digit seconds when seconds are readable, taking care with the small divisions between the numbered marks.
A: 1,25
